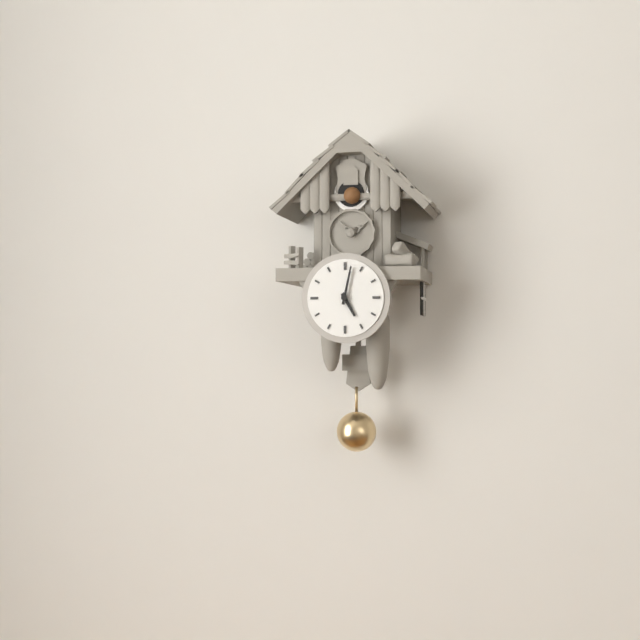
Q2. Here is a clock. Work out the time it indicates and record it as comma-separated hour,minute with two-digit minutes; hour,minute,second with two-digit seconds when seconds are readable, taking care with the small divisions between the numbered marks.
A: 5,02
